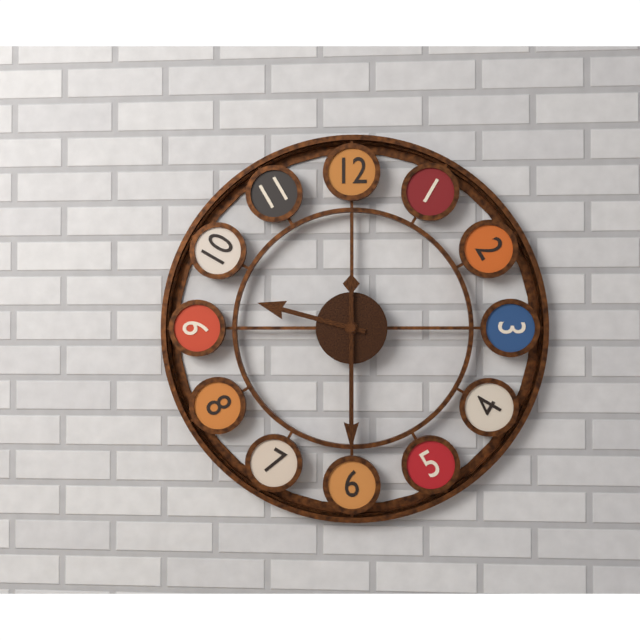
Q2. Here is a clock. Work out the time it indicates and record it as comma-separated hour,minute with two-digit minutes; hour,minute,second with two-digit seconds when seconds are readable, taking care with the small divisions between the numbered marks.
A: 9,30
